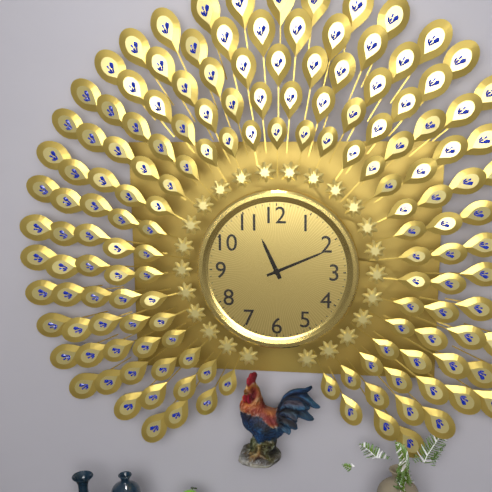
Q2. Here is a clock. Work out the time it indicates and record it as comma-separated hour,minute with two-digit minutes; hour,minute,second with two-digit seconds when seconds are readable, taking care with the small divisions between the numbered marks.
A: 11,11
